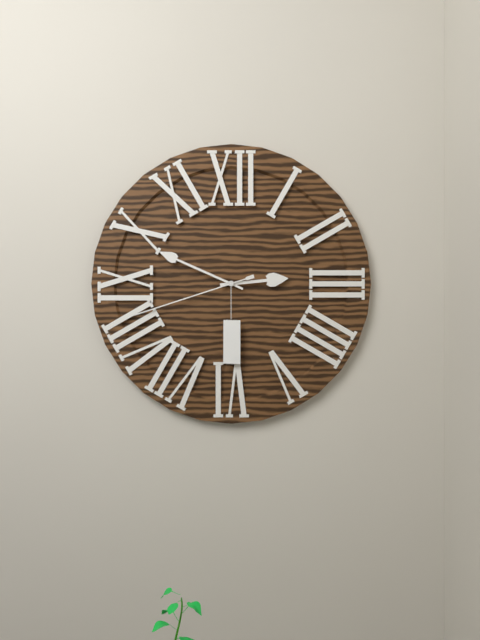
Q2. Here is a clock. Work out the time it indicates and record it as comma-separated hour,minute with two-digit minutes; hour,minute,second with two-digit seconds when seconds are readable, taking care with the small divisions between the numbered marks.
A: 2,49,42
